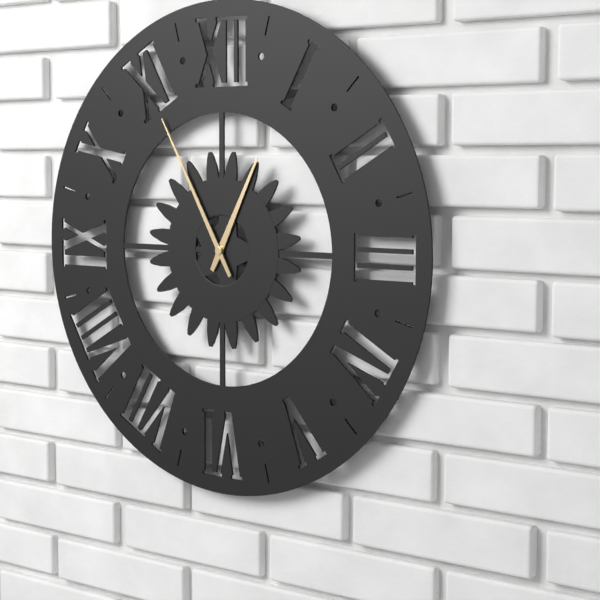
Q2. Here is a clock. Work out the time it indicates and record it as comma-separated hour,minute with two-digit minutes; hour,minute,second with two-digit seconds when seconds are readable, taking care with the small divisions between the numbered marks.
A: 12,55
